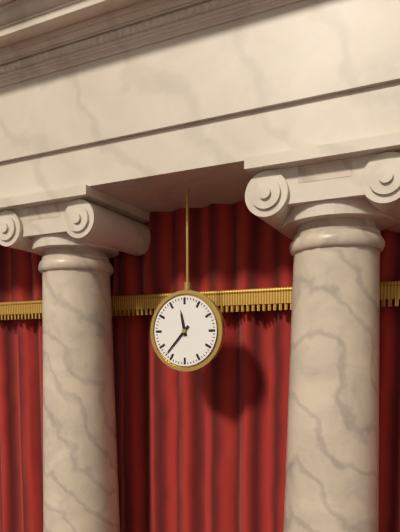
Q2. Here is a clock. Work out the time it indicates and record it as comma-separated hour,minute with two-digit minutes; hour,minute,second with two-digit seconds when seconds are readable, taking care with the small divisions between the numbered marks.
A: 11,37
